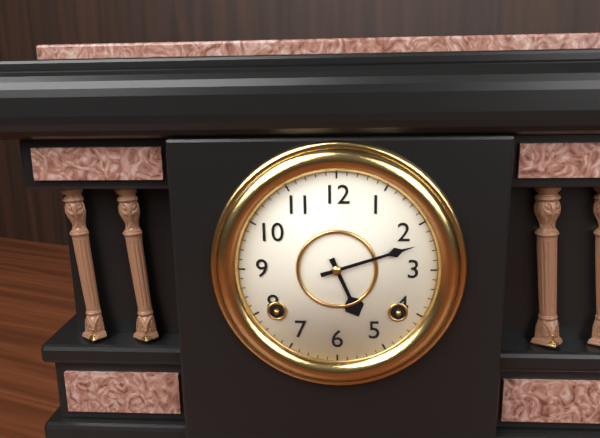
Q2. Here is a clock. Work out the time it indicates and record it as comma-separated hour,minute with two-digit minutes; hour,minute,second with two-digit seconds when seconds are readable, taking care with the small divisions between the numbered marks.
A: 5,12
